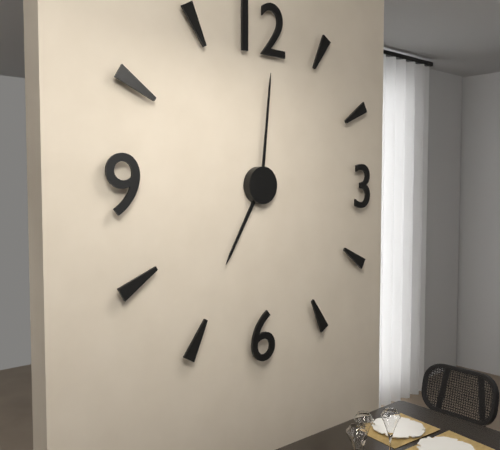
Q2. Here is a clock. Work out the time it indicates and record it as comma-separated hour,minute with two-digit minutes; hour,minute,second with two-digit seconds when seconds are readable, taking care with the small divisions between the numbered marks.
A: 7,01
